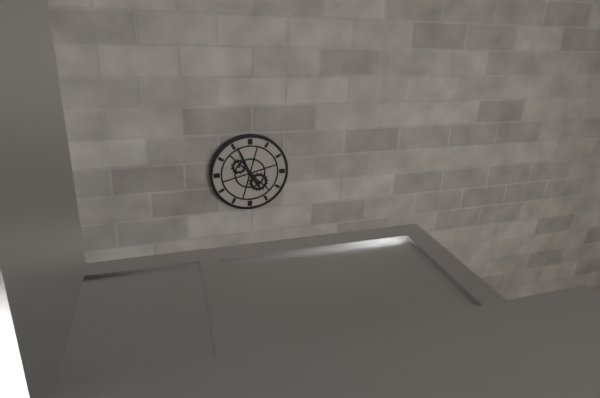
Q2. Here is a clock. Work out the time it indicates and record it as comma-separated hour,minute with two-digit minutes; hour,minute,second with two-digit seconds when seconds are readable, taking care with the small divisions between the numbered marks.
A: 4,56
